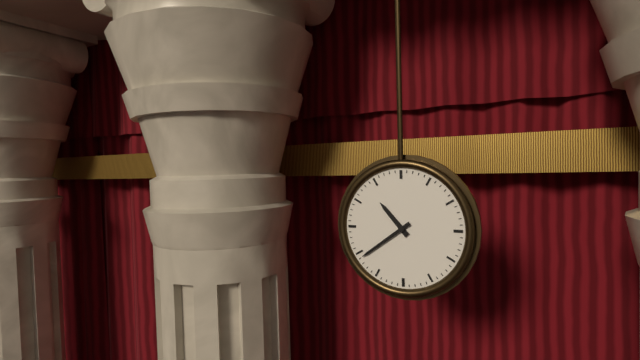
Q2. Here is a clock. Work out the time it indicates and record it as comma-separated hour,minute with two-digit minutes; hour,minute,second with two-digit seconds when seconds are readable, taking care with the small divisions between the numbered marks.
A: 10,39
